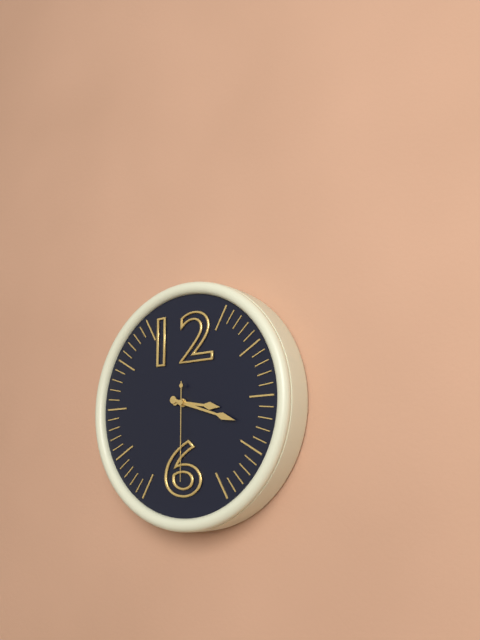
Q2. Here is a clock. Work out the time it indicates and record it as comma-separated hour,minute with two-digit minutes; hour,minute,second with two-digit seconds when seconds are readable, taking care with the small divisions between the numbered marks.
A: 3,18,30
